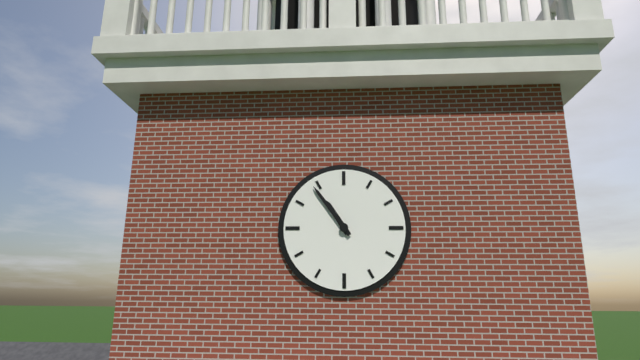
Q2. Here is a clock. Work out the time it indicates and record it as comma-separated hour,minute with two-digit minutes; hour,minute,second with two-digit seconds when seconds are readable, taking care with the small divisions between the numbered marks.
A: 10,54
